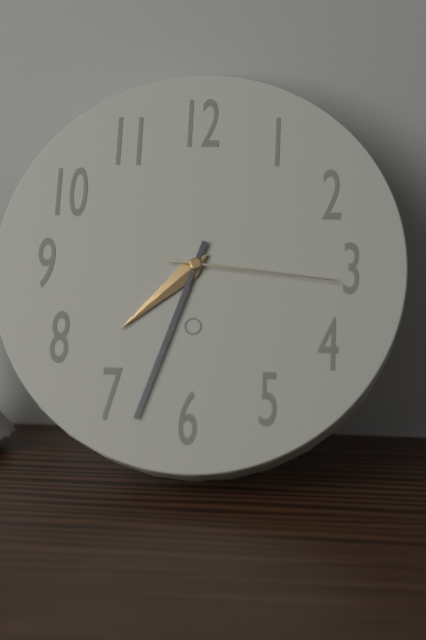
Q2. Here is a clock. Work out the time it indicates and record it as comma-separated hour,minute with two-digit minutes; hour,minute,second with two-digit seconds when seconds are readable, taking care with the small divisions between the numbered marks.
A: 7,33,16
